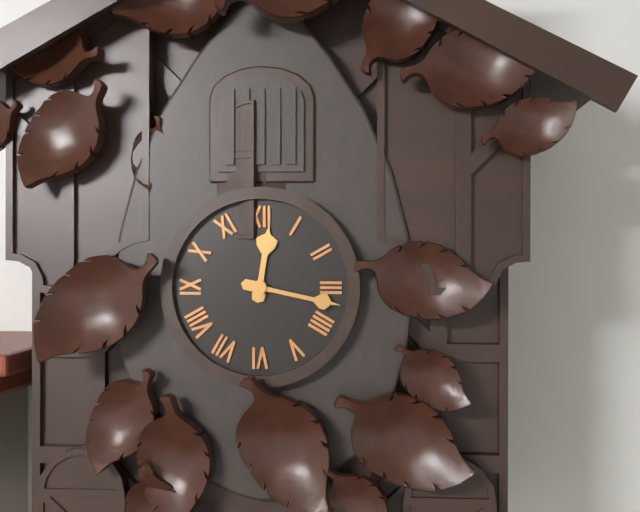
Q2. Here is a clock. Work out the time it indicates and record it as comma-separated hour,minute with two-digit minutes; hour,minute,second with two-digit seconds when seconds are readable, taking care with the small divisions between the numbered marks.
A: 12,17
